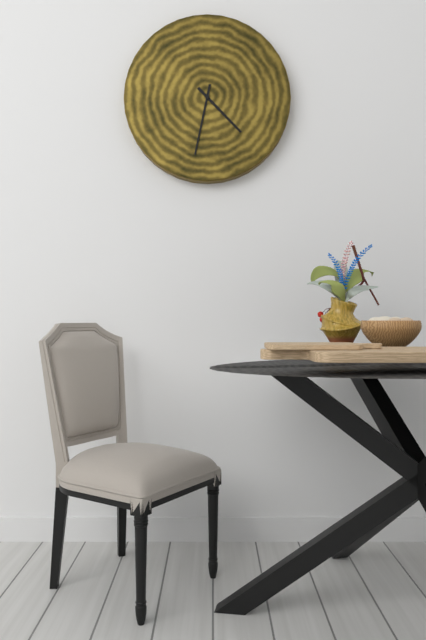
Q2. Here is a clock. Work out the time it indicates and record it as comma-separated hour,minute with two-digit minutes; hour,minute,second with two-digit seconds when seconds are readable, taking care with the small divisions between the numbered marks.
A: 4,32
